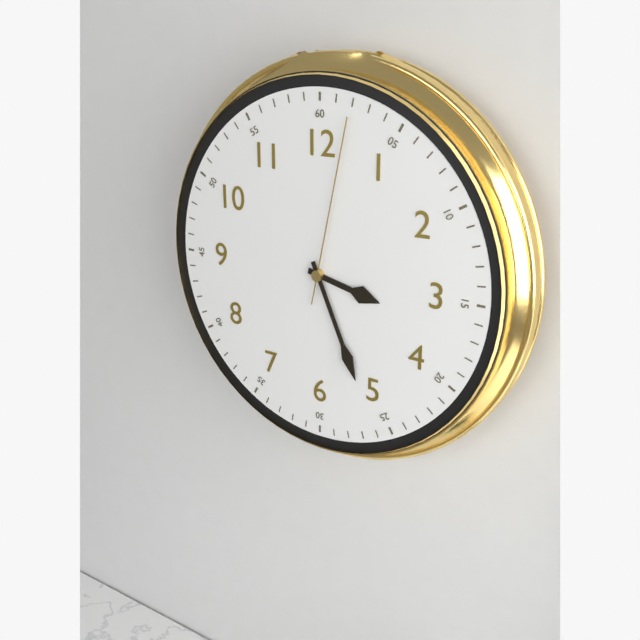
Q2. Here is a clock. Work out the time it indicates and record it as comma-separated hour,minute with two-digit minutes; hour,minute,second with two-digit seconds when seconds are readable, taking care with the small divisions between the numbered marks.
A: 3,26,02
